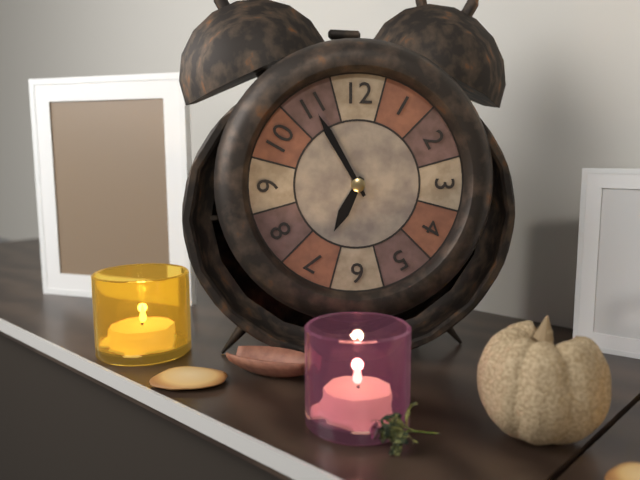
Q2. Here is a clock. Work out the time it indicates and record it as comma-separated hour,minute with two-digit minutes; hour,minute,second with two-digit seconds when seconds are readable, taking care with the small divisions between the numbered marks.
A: 6,55
